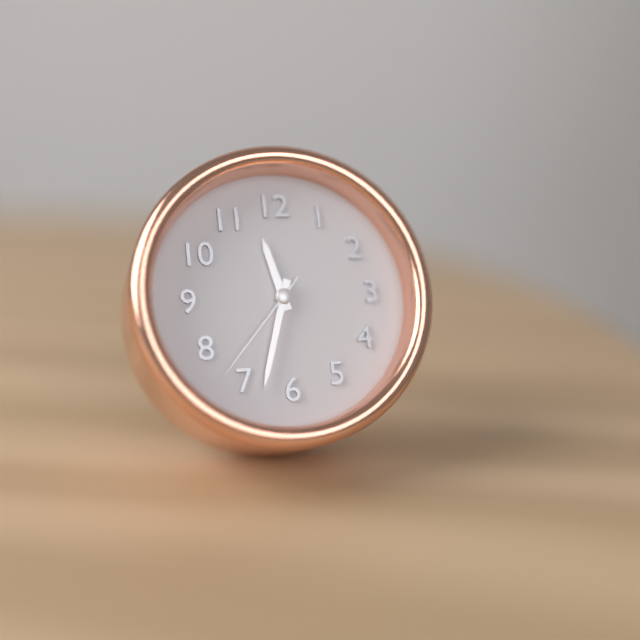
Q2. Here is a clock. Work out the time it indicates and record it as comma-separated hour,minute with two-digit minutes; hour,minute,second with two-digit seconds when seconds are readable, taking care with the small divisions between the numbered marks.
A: 11,33,37
